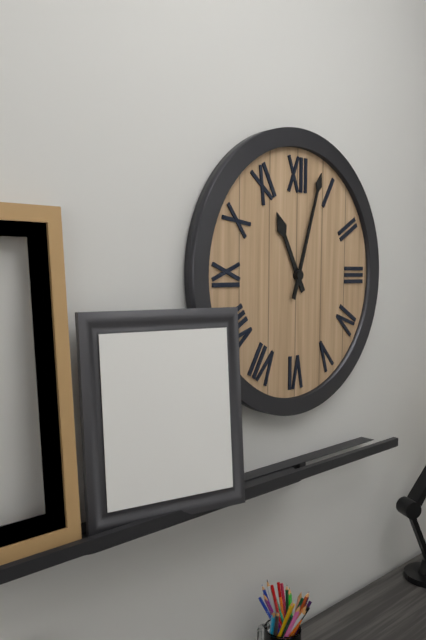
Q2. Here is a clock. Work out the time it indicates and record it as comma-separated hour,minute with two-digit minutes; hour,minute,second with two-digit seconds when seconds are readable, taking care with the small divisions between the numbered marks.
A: 11,03
